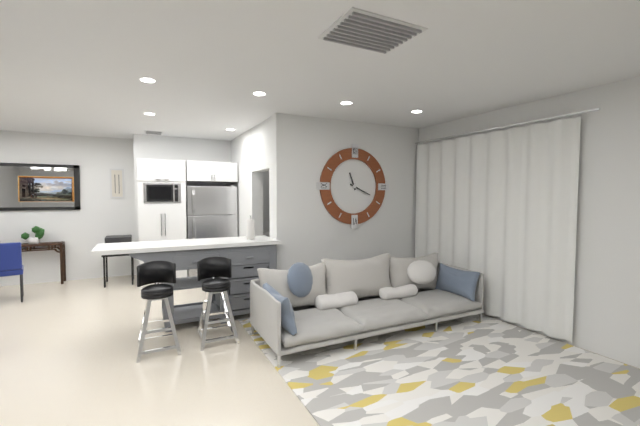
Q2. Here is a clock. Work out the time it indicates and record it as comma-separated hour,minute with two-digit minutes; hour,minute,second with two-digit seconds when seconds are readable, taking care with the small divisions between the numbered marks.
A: 11,19
